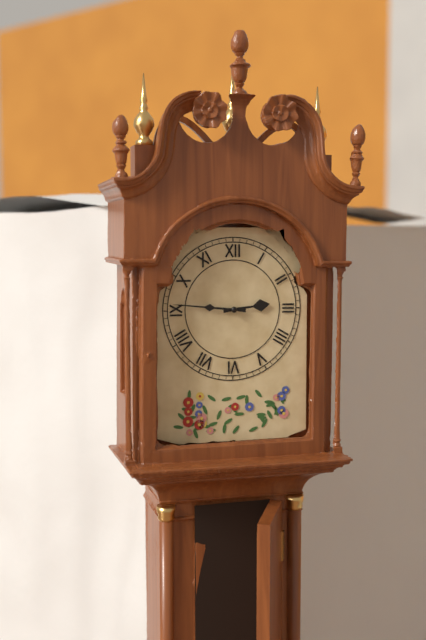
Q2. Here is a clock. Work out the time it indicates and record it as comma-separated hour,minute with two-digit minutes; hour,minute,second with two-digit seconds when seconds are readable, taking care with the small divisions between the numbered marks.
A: 2,46
